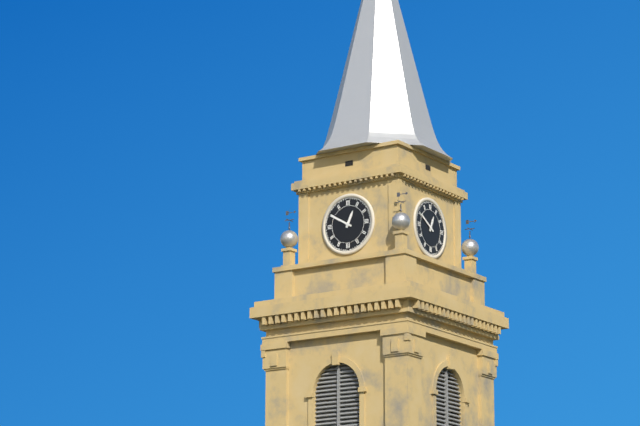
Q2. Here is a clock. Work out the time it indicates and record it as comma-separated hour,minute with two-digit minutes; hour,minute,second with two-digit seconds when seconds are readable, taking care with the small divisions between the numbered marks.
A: 12,50
